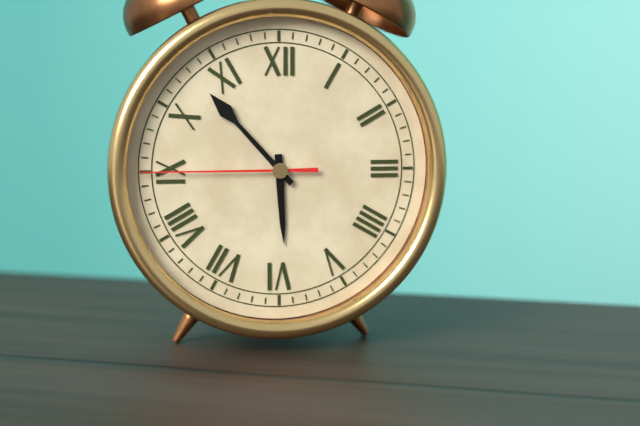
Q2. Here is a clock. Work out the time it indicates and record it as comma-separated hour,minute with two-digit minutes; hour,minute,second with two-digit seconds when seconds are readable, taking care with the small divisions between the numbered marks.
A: 5,53,45
